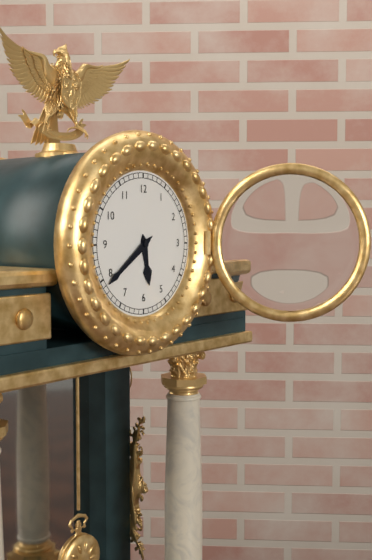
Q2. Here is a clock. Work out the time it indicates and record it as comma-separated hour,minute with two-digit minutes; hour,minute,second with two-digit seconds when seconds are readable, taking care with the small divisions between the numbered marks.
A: 5,39
